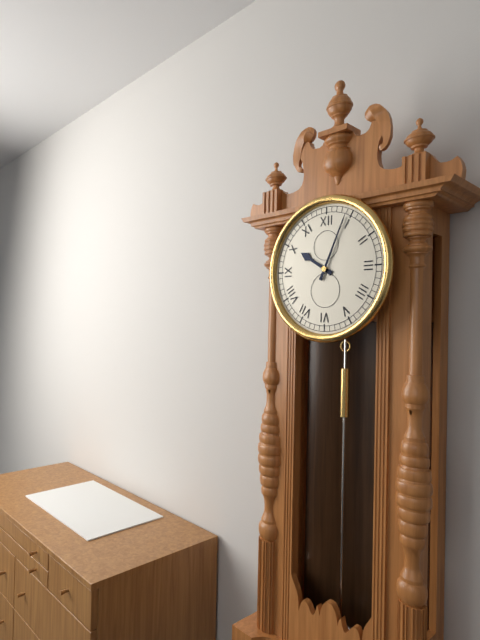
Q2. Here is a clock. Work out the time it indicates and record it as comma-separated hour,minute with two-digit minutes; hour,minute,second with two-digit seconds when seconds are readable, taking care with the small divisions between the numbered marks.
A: 10,04
